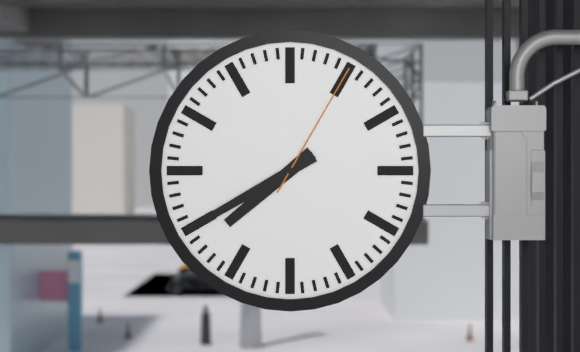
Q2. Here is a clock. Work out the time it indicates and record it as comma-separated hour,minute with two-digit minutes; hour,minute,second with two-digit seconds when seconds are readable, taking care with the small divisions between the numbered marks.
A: 7,40,05
